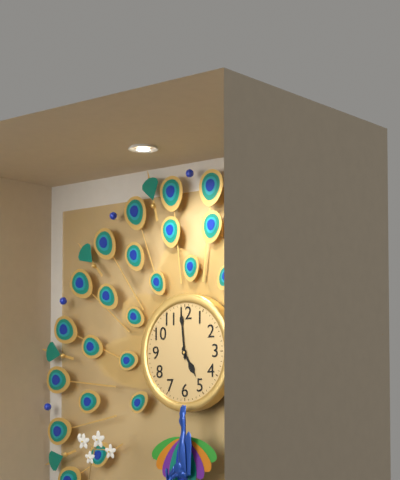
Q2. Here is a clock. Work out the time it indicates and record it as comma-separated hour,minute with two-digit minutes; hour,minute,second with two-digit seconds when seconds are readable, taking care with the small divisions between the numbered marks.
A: 4,59
